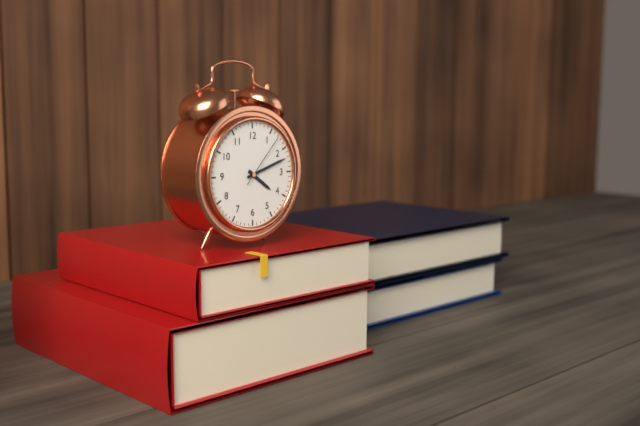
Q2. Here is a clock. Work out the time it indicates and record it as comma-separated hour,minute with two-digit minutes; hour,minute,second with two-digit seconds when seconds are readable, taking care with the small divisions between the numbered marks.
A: 4,12,07
